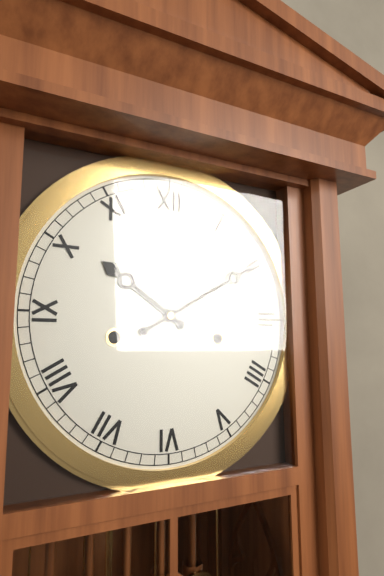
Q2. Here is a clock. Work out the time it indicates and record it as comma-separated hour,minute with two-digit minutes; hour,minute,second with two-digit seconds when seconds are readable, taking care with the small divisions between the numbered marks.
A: 10,10
